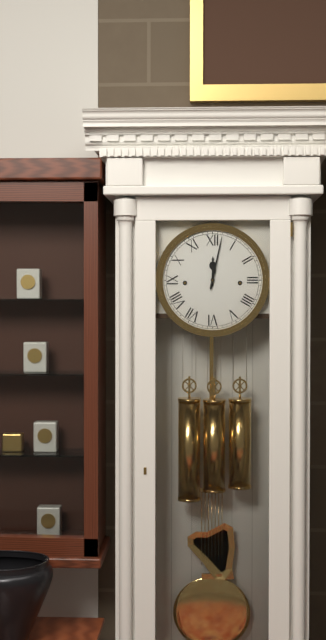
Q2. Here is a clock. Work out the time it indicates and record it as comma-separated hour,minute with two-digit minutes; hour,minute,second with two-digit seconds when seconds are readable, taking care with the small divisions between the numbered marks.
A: 12,02
